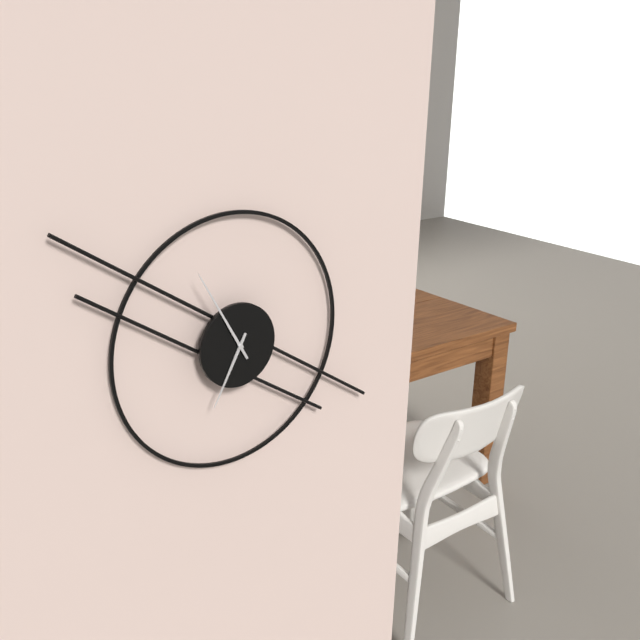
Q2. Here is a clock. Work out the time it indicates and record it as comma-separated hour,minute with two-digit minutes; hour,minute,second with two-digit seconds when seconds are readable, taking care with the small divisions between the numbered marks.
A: 6,55
